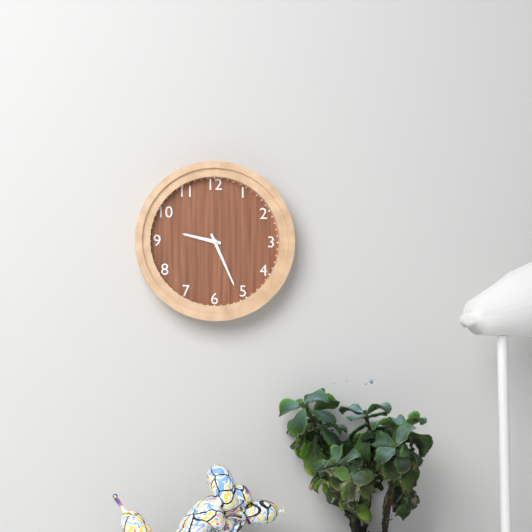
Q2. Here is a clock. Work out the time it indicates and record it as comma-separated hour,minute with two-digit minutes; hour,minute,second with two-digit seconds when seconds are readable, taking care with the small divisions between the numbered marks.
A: 9,26
